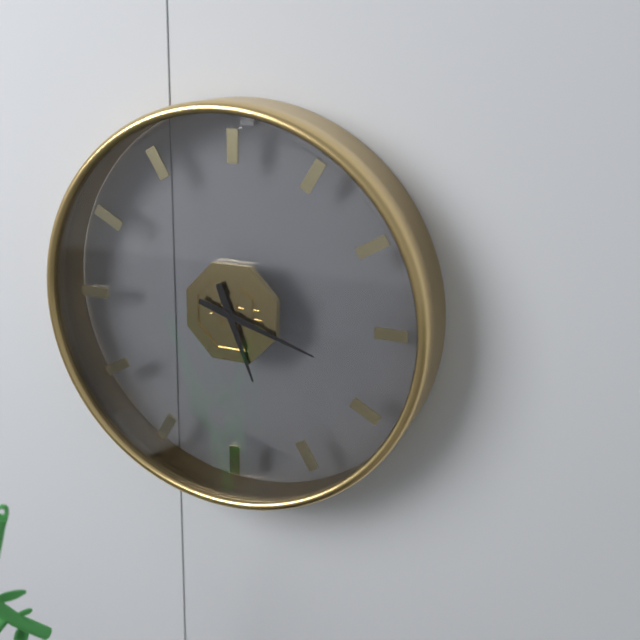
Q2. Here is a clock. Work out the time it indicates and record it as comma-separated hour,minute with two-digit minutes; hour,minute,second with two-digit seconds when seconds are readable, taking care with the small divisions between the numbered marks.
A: 5,18
